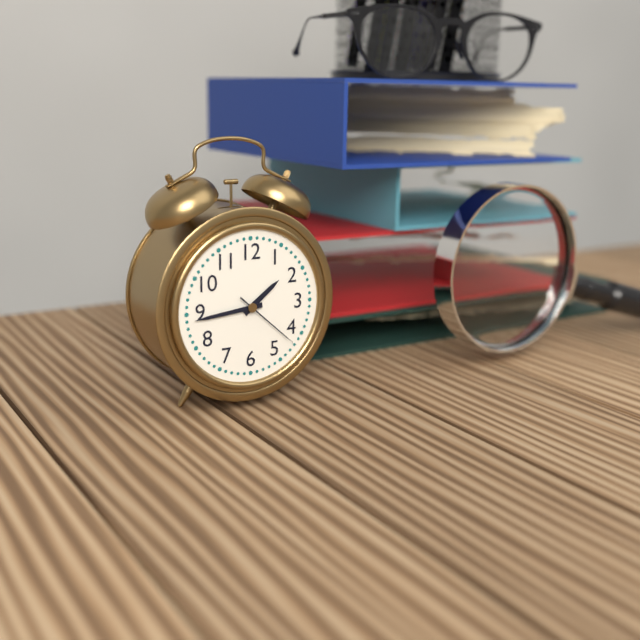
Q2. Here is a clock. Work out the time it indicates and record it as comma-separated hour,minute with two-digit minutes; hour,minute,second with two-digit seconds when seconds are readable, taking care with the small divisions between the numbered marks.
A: 1,44,22
